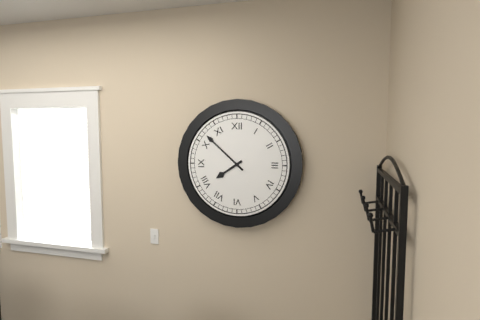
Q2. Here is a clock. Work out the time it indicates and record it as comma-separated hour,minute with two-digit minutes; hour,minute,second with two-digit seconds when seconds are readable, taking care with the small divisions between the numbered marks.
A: 7,52
